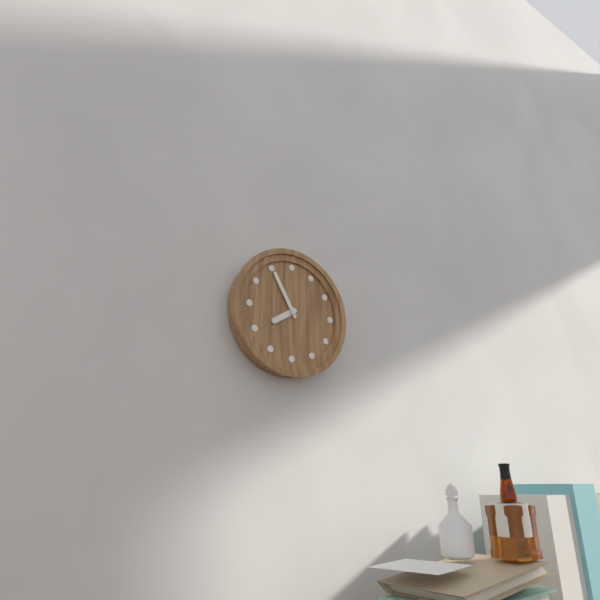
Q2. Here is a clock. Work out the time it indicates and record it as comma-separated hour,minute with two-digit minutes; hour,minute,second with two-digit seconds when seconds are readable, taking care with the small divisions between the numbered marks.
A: 7,55
